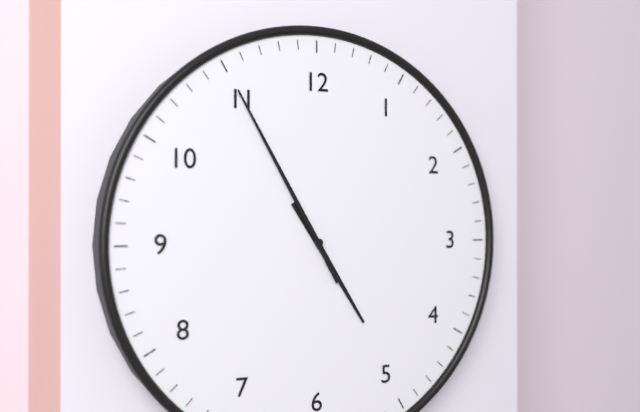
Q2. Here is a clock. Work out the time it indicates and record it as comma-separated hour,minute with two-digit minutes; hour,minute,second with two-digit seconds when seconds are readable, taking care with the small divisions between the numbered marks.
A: 4,55
